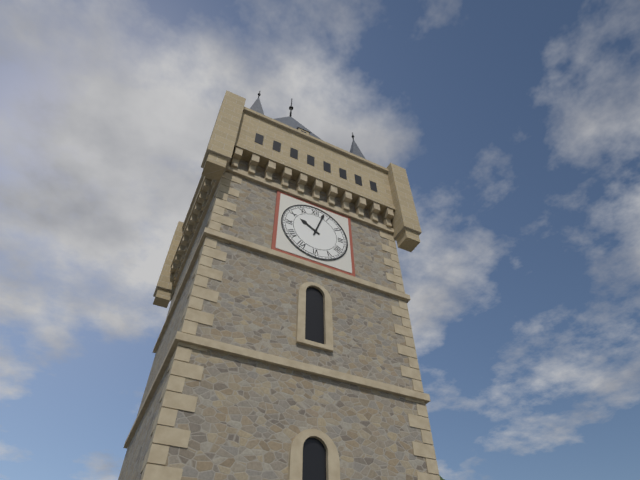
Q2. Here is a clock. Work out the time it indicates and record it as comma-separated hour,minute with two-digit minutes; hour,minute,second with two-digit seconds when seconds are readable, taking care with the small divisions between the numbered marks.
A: 10,03
